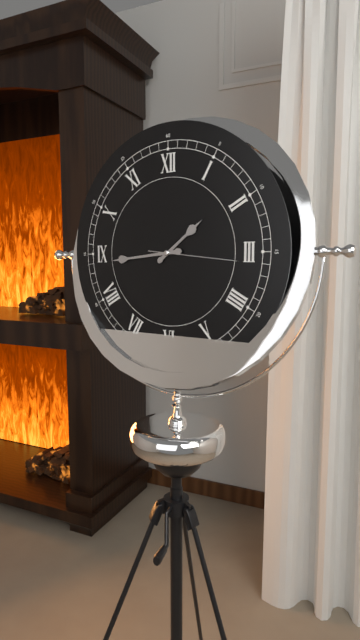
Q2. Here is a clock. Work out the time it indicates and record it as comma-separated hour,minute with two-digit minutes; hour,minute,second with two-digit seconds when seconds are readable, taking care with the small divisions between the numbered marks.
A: 1,44,16
